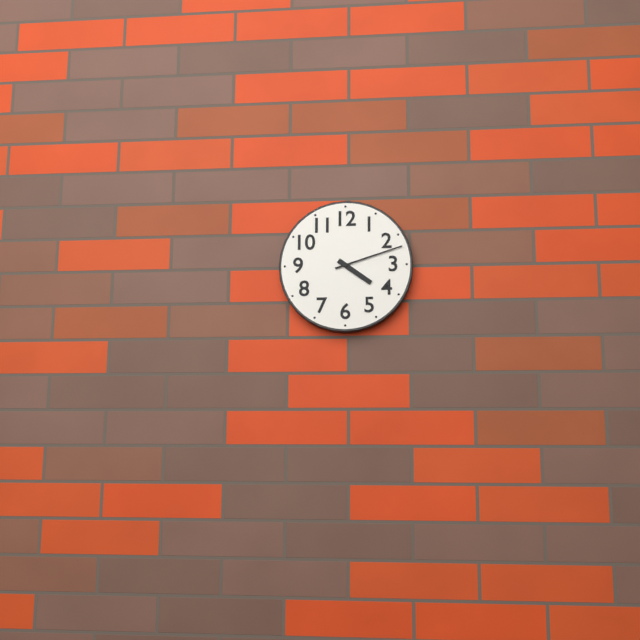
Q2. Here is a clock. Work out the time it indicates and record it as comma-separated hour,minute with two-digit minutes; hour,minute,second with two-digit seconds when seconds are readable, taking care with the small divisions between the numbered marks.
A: 4,12
